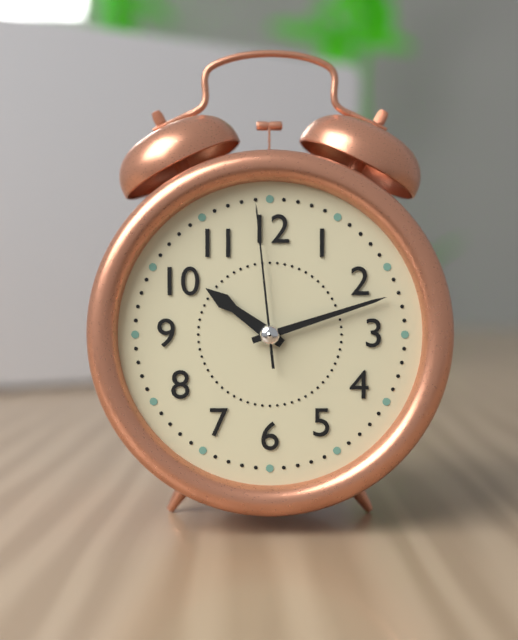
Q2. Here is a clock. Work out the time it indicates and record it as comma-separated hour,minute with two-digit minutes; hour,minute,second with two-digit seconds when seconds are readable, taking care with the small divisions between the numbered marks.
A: 10,12,59
